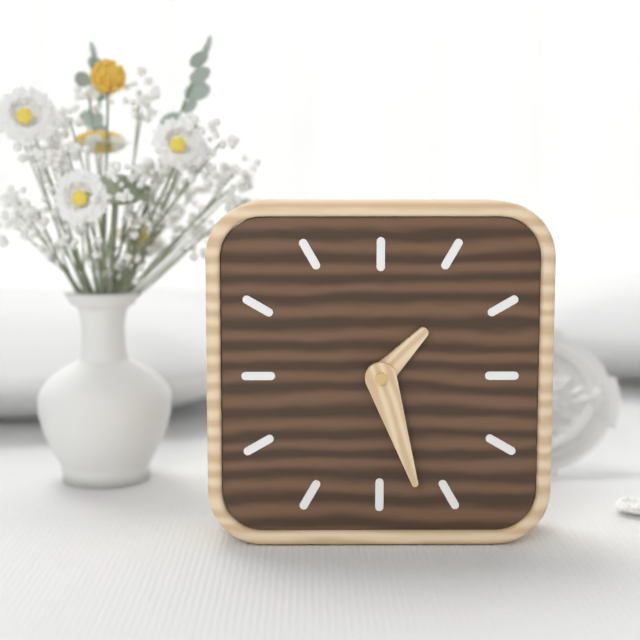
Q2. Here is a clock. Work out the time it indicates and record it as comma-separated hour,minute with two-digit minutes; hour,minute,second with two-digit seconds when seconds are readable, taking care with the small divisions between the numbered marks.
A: 1,27
